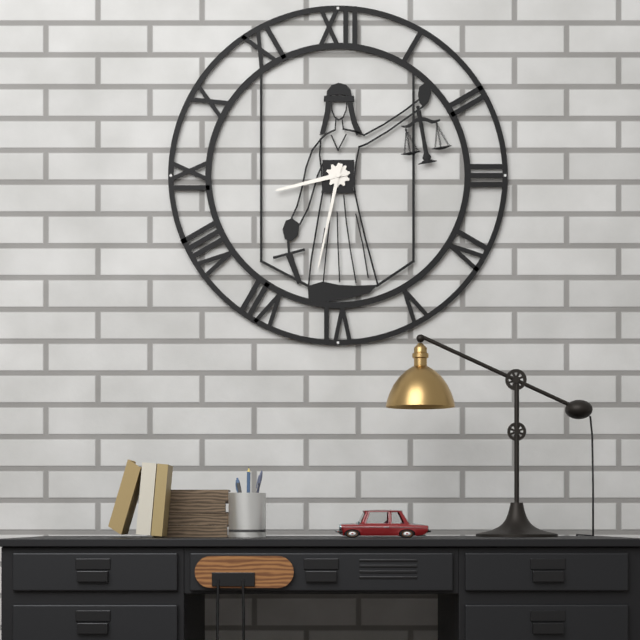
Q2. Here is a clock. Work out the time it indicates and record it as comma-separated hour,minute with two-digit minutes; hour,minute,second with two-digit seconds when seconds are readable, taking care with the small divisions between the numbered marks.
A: 8,32
